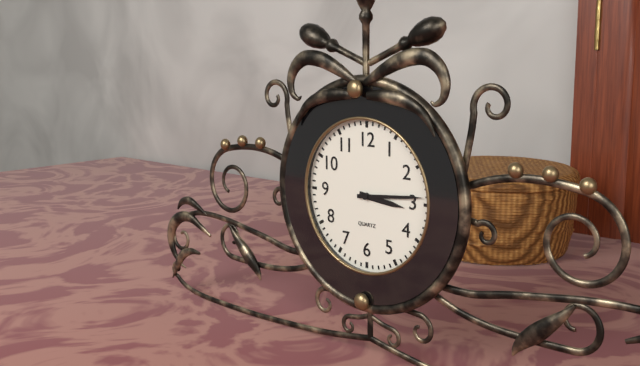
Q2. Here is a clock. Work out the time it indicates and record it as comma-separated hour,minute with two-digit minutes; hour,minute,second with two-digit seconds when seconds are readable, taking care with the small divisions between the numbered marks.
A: 3,14
